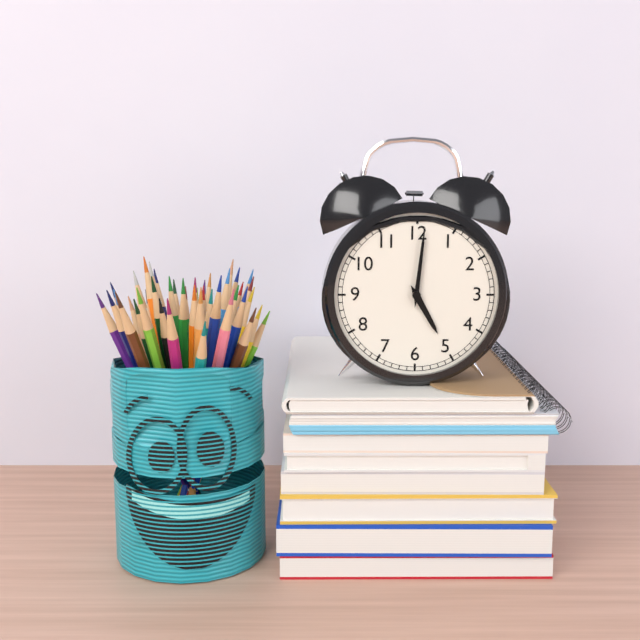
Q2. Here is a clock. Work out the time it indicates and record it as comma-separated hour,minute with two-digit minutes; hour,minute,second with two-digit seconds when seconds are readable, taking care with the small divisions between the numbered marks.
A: 5,01
